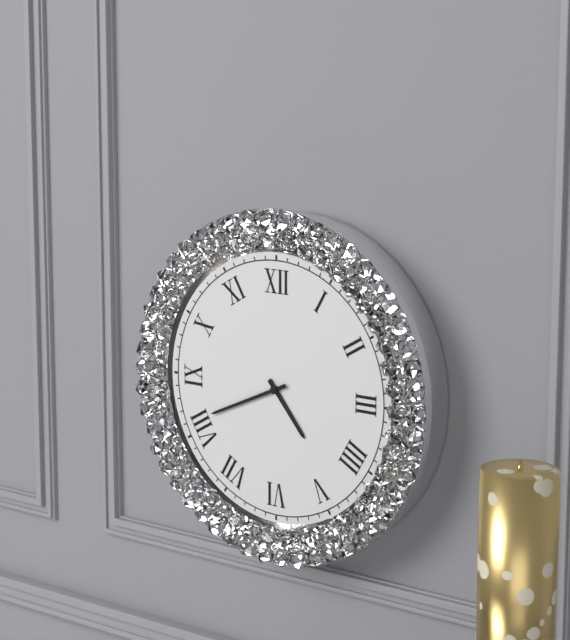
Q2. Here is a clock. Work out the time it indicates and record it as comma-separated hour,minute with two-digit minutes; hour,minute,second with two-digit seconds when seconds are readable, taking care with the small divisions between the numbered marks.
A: 4,41
